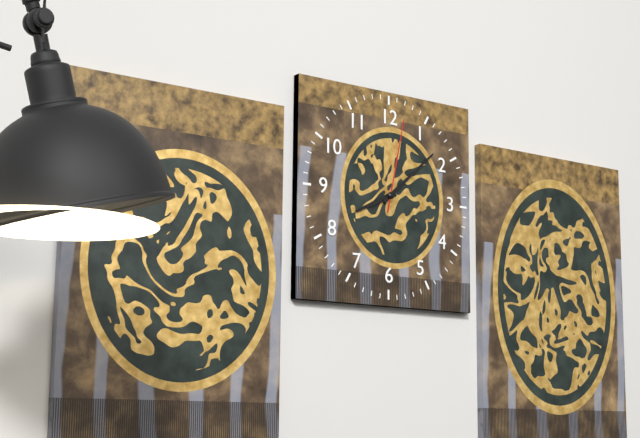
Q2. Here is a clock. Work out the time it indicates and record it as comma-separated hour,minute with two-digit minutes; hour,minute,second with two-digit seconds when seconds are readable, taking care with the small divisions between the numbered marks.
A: 8,08,02
